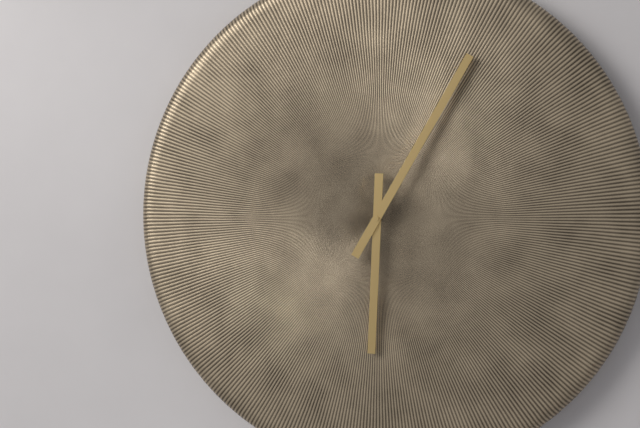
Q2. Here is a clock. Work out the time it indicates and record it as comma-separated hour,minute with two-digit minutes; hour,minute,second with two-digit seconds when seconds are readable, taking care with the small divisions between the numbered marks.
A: 6,05
